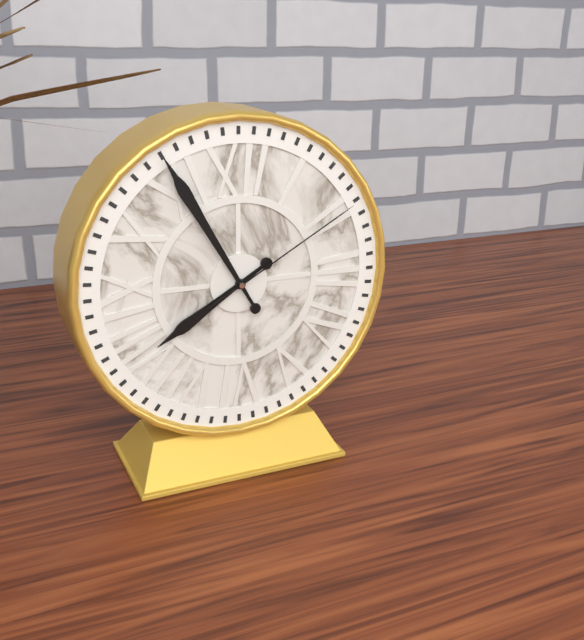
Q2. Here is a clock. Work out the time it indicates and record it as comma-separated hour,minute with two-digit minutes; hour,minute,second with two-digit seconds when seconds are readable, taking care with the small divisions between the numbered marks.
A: 7,55,10
